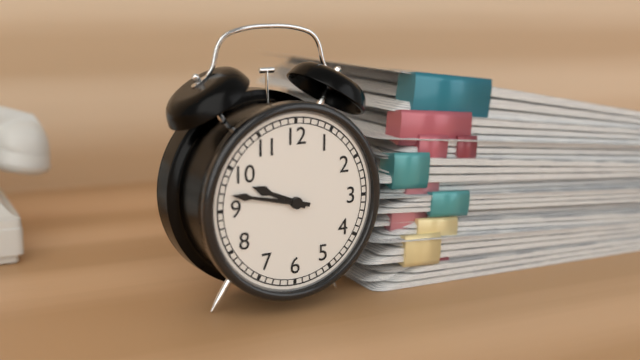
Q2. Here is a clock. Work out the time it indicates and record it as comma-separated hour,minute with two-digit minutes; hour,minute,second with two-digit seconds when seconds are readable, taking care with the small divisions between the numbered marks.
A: 9,47
